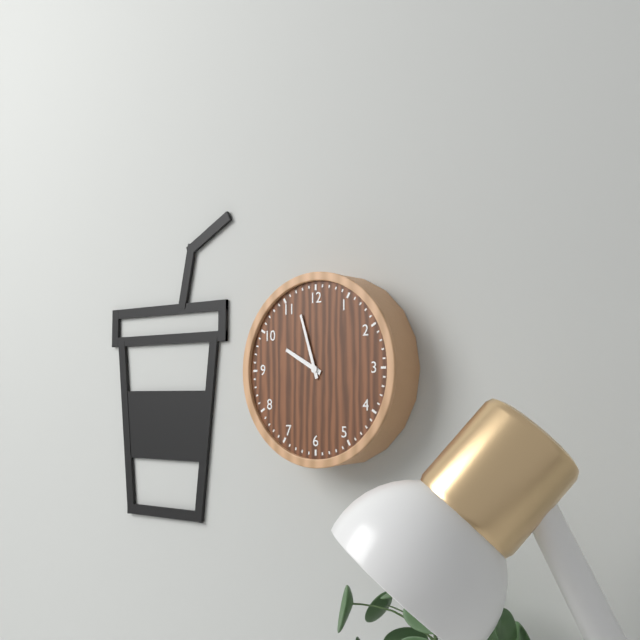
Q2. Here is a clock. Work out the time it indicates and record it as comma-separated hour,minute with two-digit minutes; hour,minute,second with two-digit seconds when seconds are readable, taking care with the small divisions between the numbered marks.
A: 9,57
